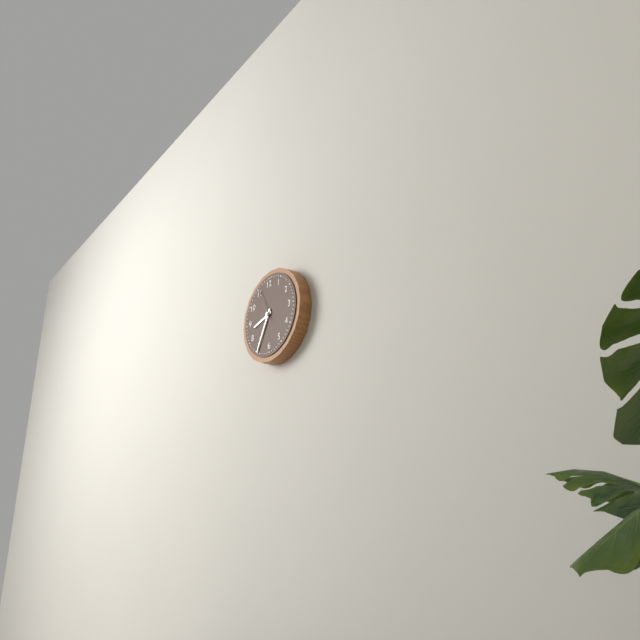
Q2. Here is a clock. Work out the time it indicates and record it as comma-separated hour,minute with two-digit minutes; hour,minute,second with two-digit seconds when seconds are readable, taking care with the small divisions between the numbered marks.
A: 8,35
